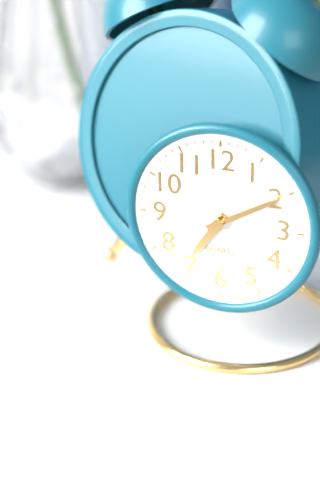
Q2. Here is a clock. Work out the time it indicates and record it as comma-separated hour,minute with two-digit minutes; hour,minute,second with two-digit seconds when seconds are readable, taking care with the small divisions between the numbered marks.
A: 7,10
